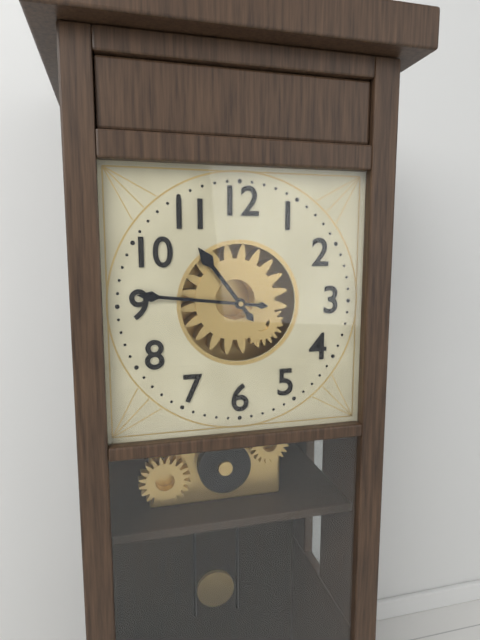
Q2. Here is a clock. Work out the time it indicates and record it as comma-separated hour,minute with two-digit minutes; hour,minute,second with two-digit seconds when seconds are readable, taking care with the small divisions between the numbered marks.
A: 10,46
